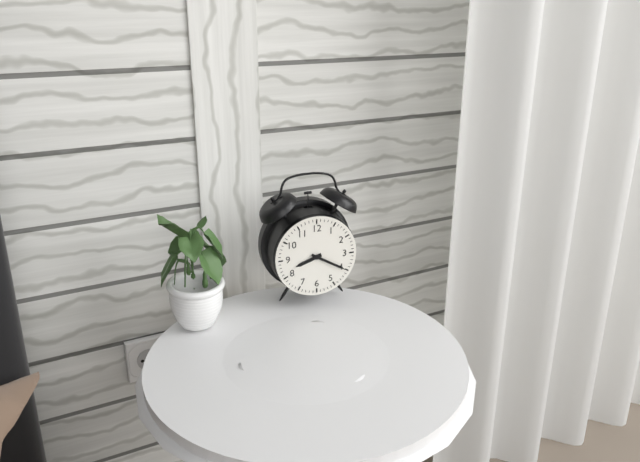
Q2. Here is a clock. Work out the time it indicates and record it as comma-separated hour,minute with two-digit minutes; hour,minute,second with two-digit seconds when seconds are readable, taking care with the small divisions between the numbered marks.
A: 8,20
